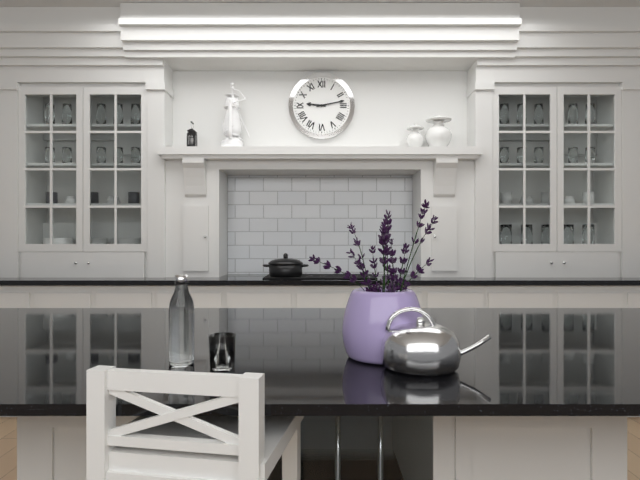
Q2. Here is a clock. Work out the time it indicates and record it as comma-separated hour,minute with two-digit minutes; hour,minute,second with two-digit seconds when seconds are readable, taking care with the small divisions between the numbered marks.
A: 9,13
